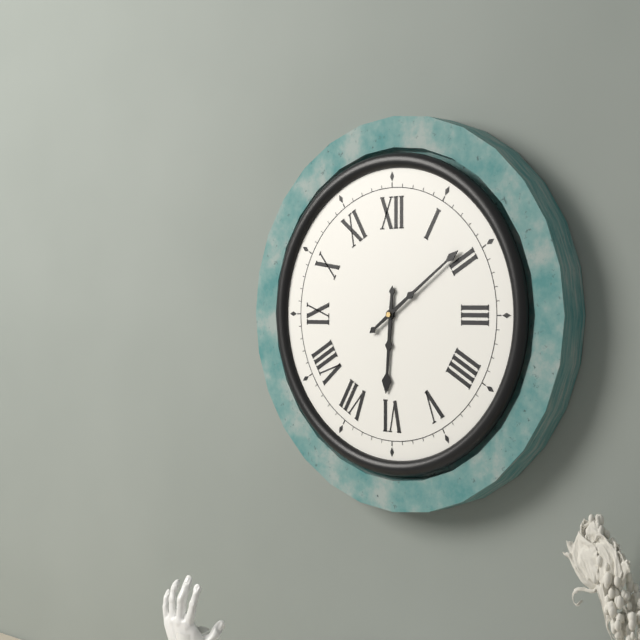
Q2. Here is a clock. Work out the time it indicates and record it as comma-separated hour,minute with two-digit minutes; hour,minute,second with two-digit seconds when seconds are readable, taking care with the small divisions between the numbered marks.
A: 6,09
